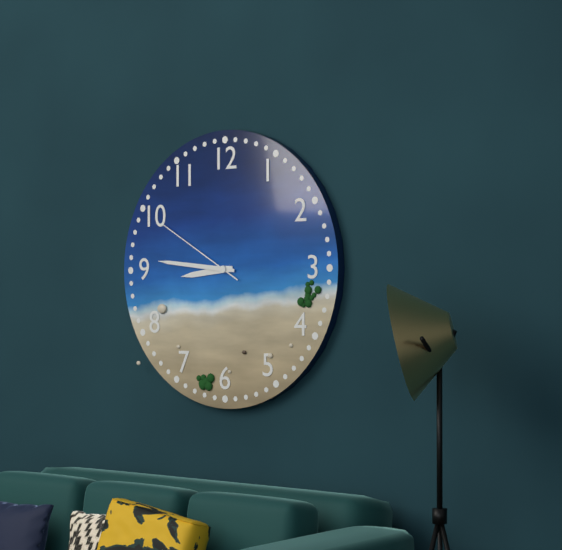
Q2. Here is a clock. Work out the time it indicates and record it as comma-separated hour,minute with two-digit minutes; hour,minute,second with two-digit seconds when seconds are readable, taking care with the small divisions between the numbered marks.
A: 8,46,50
